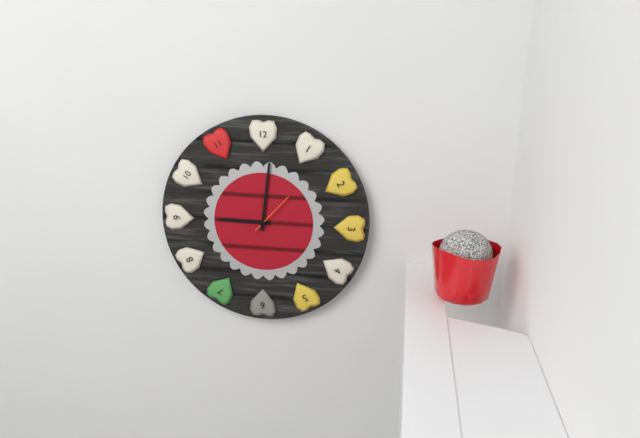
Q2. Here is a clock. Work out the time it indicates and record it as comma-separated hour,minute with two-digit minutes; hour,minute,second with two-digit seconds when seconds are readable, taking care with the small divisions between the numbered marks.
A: 9,01
